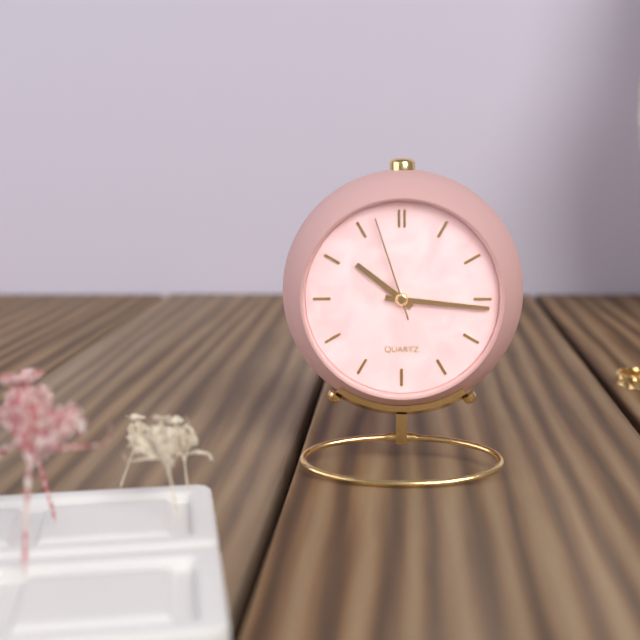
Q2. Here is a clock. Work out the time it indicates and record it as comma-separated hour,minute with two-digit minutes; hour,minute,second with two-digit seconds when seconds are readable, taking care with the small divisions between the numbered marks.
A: 10,16,57
